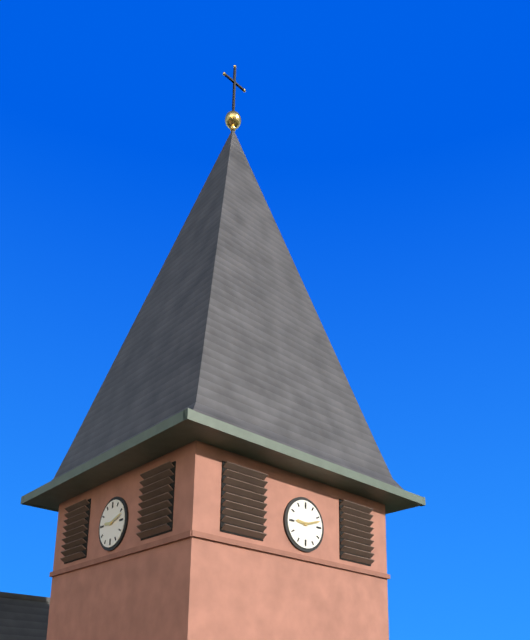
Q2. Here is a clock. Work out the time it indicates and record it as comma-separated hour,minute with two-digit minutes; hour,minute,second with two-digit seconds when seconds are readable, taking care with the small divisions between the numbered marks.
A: 9,12
